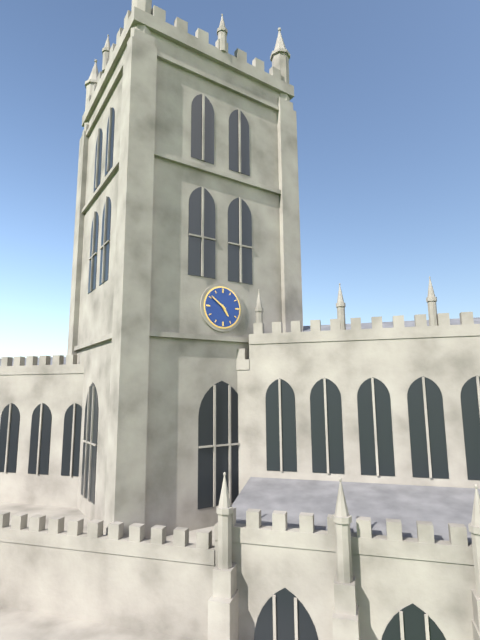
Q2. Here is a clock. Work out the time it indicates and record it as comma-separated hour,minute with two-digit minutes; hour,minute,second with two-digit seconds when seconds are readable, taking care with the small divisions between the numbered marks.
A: 4,51
